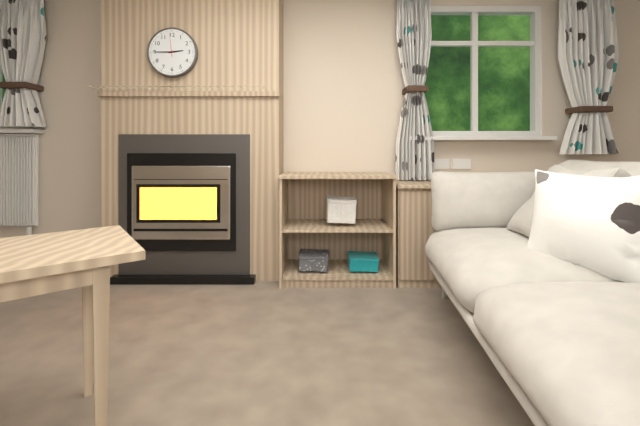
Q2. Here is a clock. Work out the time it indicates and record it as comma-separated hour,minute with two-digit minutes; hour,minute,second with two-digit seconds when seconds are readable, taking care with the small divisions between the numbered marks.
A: 2,45
